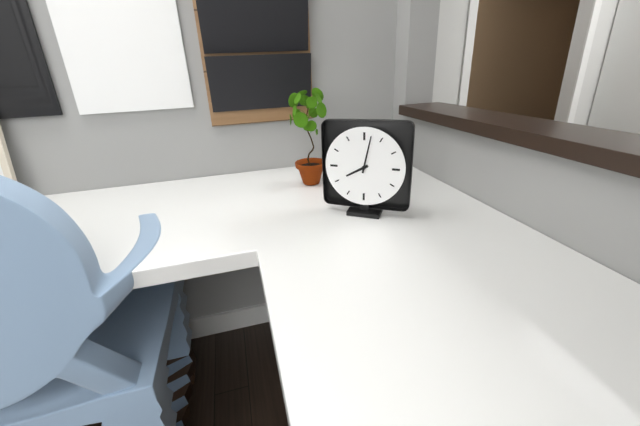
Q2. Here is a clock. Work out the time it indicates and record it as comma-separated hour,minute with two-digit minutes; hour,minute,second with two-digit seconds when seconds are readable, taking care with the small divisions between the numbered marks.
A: 8,02
